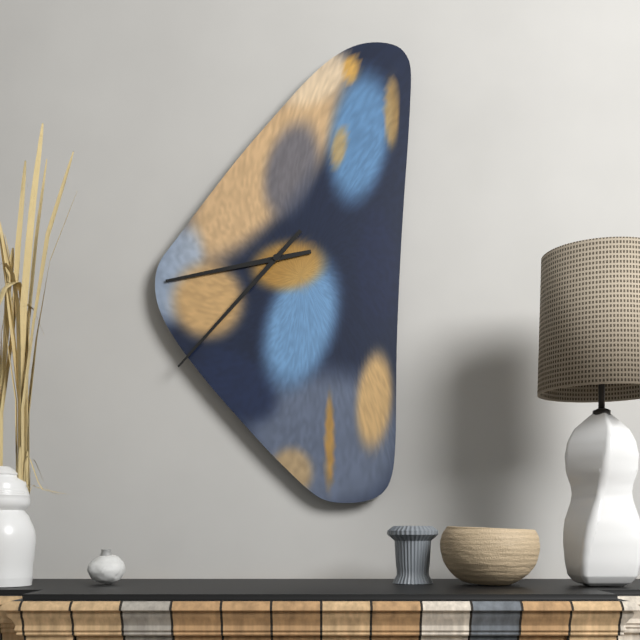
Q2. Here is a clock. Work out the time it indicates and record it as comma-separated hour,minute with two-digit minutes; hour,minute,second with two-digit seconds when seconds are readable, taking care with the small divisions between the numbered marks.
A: 8,37
